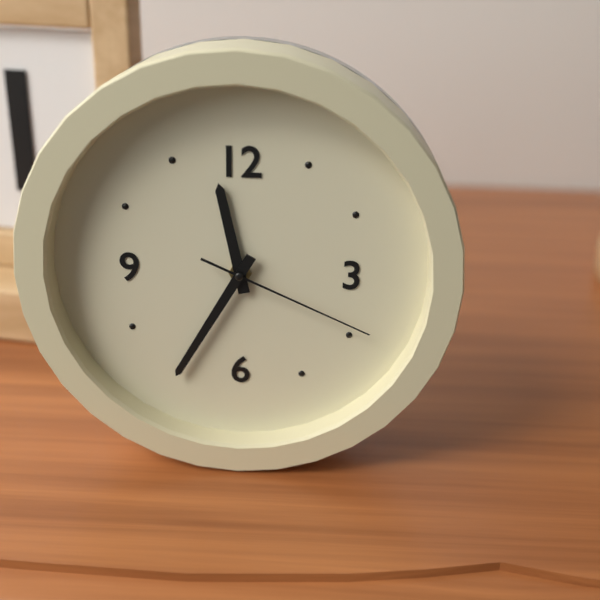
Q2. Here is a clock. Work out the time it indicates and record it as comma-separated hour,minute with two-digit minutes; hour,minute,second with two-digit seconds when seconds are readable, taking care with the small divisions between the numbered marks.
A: 11,35,19
